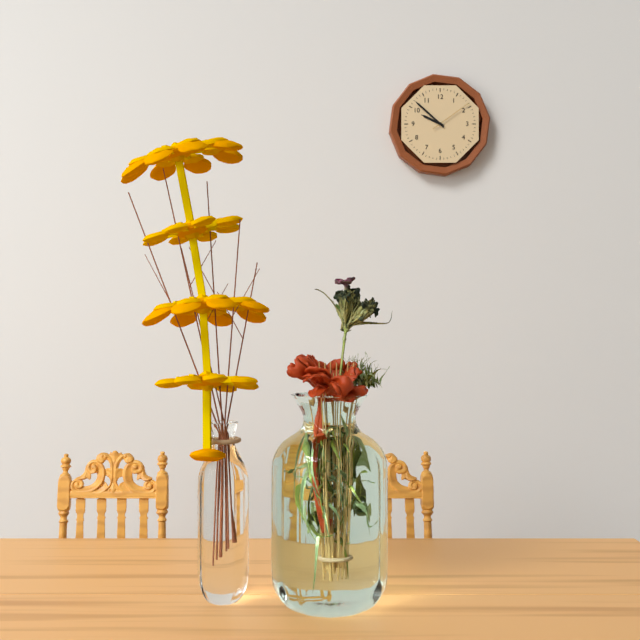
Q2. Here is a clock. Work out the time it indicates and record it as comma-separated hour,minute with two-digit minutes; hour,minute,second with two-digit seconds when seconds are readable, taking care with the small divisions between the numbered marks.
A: 9,52
